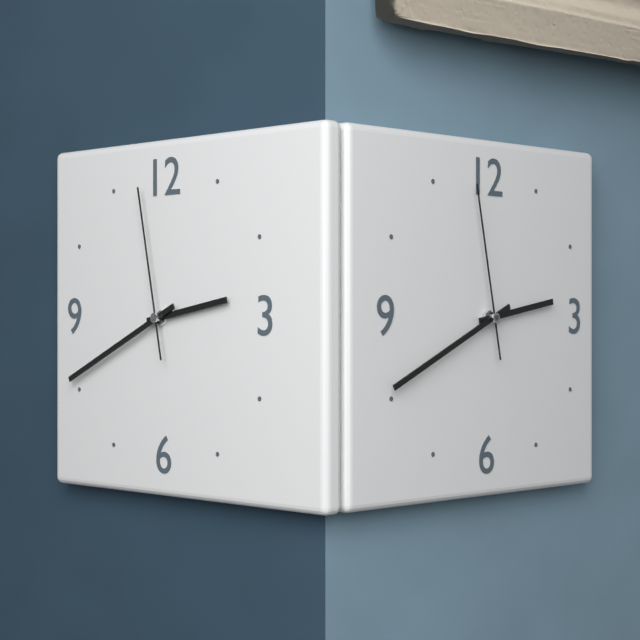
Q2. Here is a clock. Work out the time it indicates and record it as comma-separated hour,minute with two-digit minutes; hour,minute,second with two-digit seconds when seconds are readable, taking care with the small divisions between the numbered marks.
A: 2,41,58
